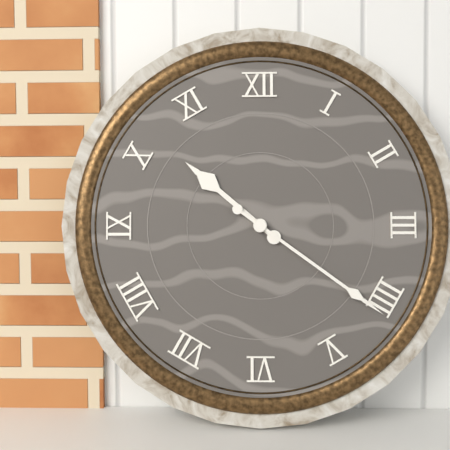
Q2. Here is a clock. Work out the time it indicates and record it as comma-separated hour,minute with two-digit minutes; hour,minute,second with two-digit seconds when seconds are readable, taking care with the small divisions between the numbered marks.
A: 10,21
